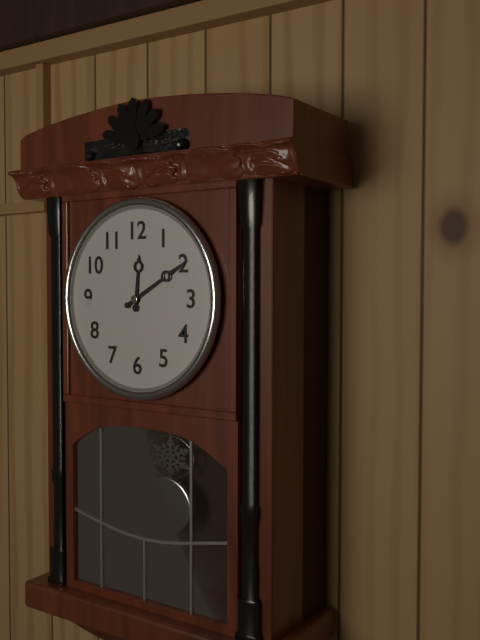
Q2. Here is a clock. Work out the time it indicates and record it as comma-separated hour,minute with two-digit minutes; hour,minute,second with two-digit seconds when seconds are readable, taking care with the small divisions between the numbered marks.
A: 12,10
